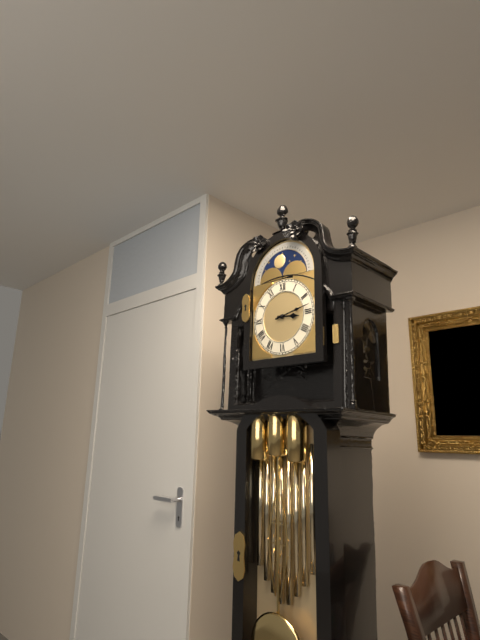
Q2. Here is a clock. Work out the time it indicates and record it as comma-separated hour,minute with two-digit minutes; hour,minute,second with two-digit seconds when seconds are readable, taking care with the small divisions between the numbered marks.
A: 3,13
